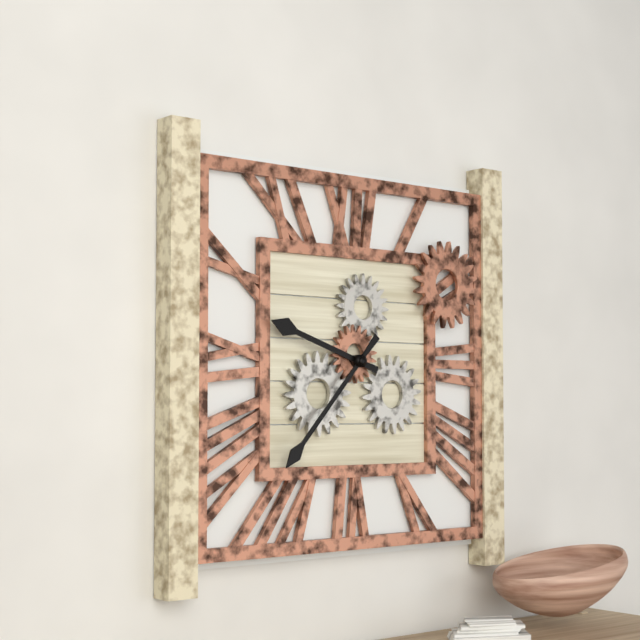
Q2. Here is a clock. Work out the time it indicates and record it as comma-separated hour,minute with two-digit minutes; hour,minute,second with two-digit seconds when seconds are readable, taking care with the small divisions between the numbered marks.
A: 9,37
